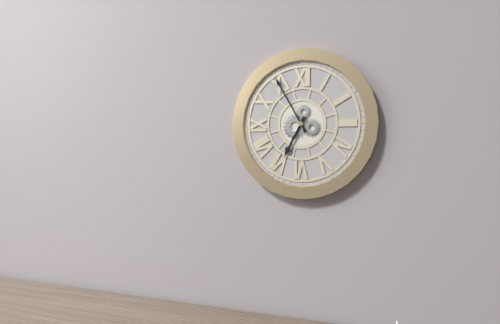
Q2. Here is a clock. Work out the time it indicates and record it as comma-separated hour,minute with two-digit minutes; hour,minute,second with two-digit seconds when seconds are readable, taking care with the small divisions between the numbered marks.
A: 6,55
